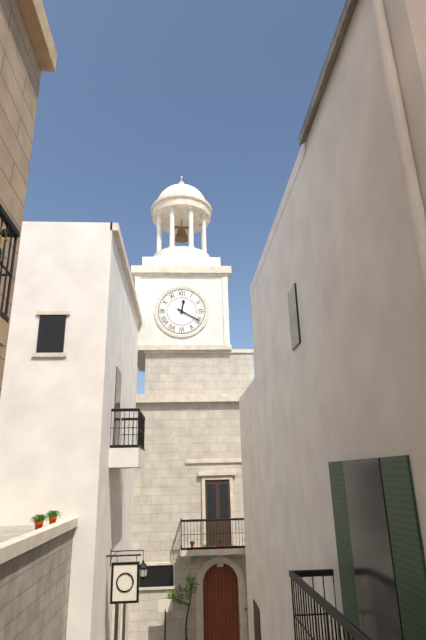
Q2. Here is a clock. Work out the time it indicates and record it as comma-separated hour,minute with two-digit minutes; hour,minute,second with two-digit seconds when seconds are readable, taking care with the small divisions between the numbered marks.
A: 12,20
